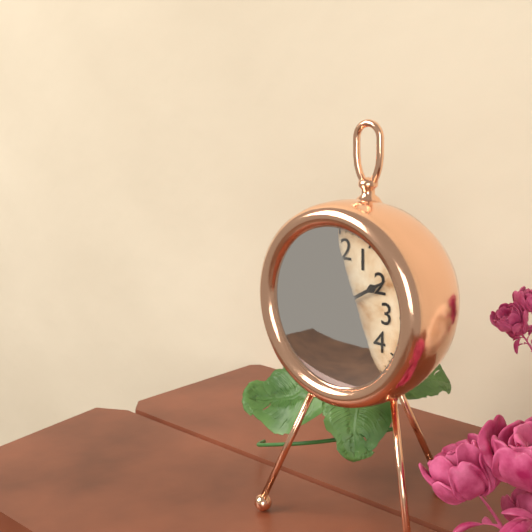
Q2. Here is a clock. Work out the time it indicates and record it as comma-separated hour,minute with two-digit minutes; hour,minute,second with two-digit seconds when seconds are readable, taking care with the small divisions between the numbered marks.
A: 10,10
